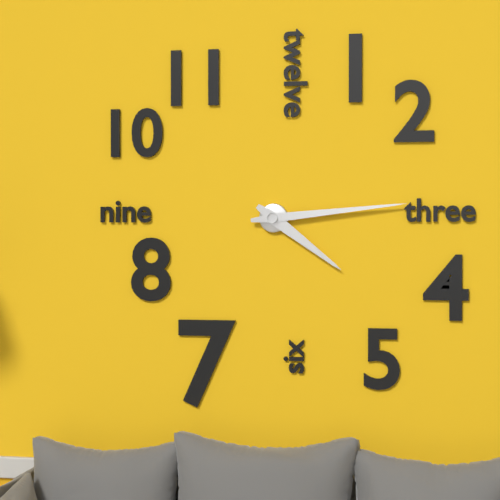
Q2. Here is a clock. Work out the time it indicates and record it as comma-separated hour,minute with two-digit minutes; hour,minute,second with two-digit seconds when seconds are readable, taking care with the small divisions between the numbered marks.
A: 4,14
